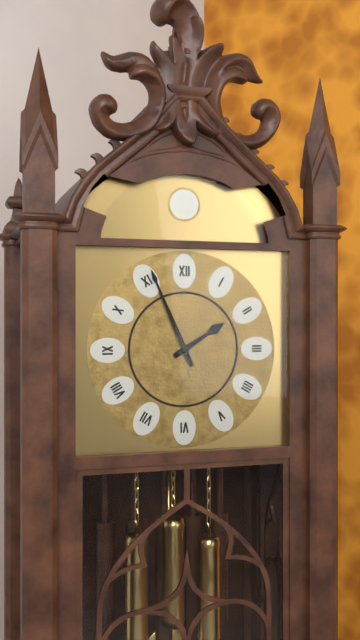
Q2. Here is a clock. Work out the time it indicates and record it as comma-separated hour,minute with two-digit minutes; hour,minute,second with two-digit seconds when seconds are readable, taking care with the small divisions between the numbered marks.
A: 1,56
